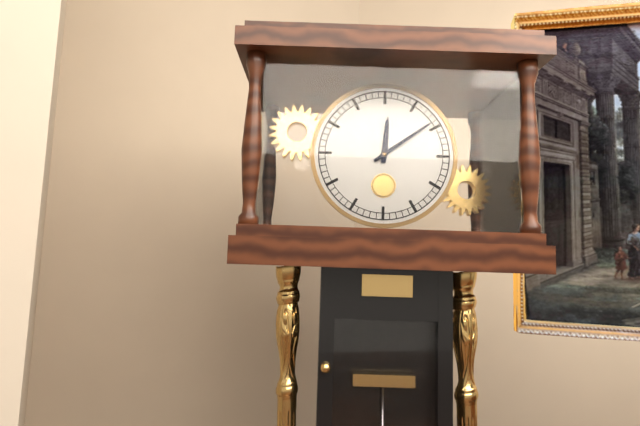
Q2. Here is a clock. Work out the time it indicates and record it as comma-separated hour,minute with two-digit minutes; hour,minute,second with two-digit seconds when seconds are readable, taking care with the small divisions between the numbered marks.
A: 12,09
